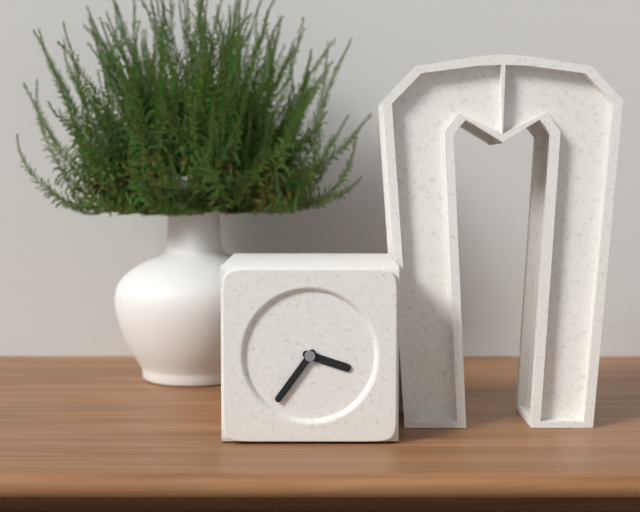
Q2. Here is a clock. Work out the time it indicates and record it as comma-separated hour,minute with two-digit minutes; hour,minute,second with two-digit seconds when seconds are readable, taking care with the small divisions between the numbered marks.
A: 3,36
